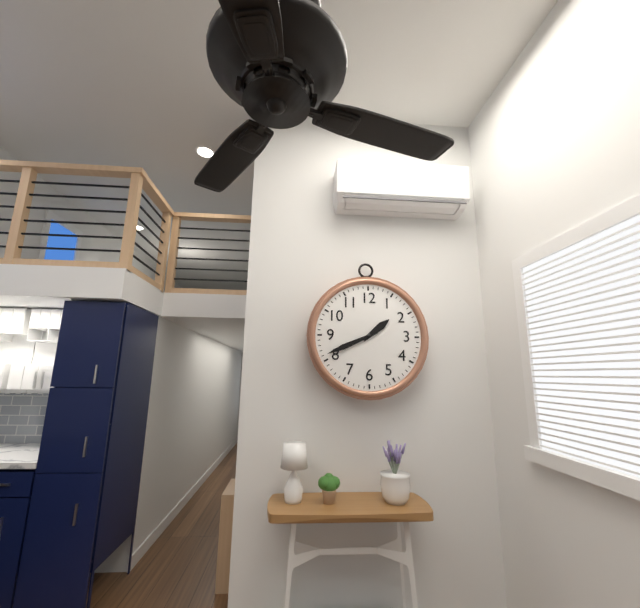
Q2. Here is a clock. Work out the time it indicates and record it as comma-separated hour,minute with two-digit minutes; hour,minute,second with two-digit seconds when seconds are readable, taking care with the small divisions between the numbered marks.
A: 1,41
